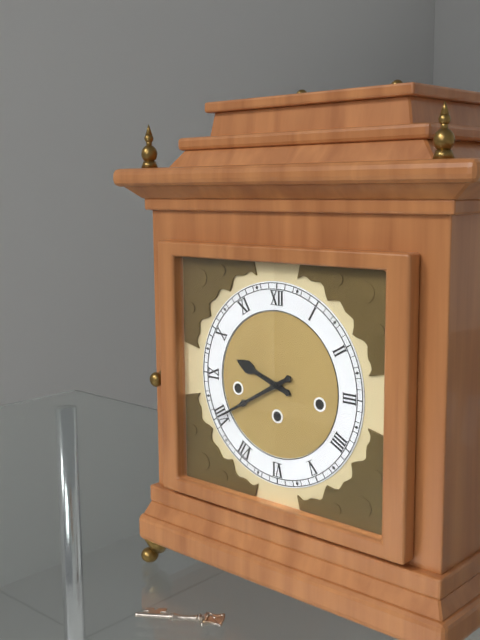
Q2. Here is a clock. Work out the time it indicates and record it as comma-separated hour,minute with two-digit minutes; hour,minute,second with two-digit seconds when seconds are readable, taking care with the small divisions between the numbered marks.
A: 9,40
